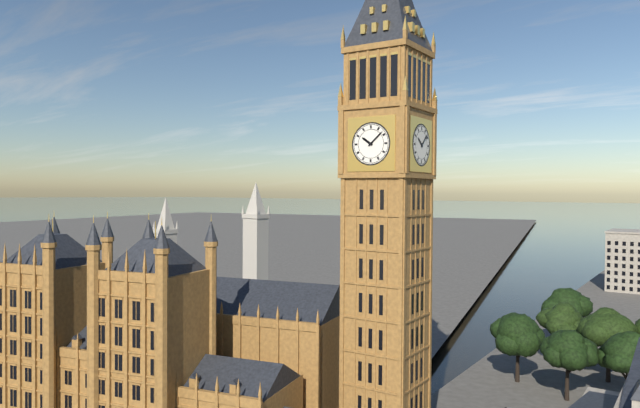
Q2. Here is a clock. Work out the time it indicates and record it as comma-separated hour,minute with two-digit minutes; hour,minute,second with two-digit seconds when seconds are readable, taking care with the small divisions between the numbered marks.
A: 10,08
